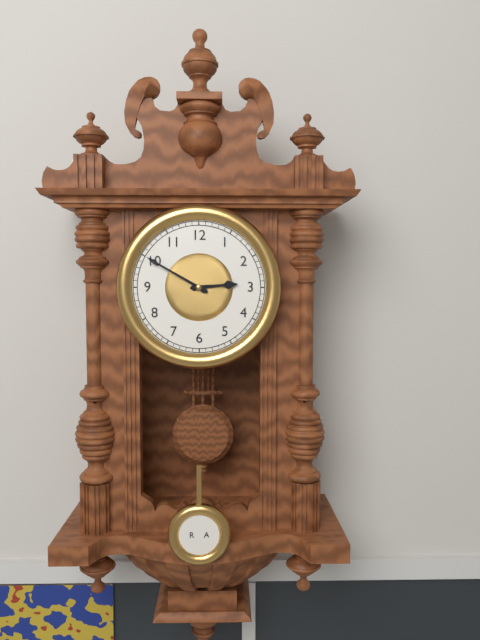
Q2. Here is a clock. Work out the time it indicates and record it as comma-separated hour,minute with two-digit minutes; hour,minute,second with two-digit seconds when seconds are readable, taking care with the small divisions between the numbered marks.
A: 2,50
